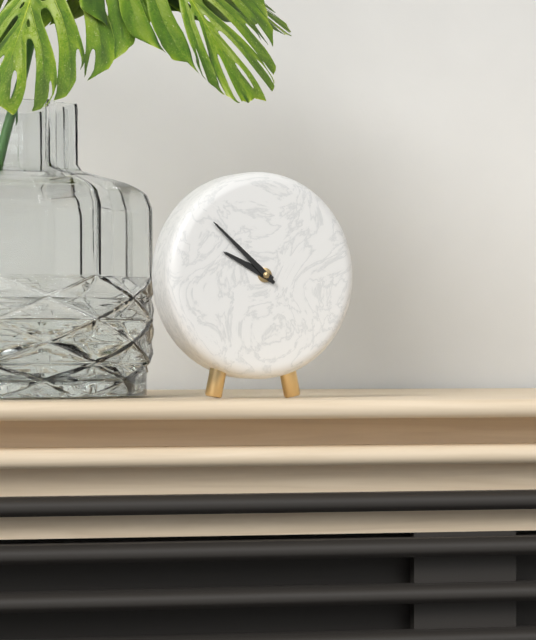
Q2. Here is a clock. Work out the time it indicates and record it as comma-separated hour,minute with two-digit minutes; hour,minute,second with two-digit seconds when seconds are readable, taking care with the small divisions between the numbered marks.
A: 9,52
